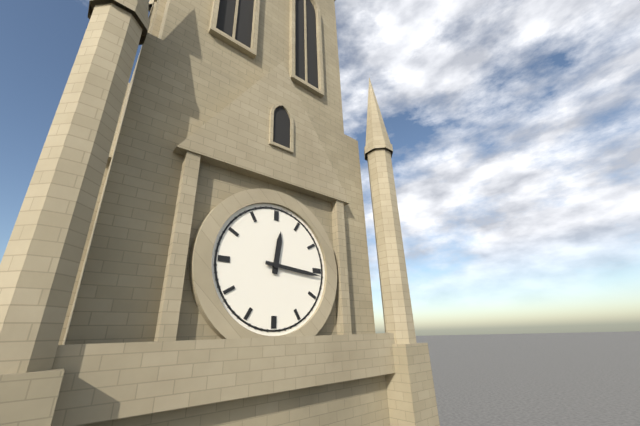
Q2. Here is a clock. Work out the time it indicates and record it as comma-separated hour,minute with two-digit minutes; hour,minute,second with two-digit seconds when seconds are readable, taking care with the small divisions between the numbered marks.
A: 12,16
